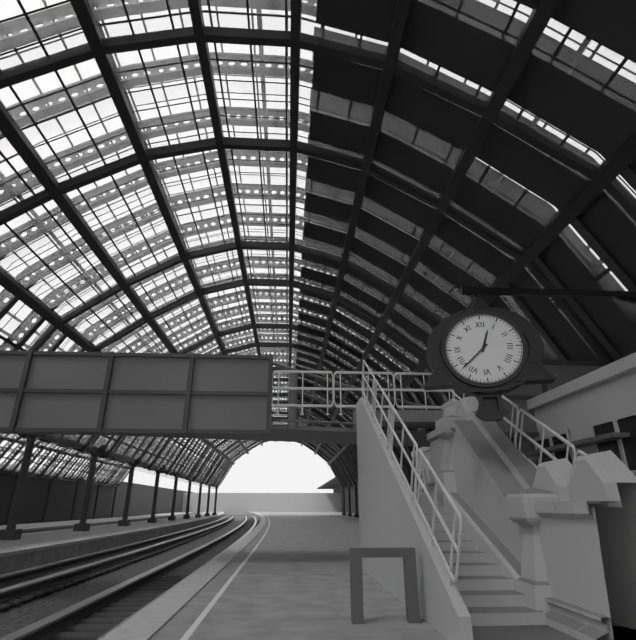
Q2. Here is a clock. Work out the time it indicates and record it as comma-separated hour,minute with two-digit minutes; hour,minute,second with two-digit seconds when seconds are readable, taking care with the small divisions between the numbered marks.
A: 12,38
